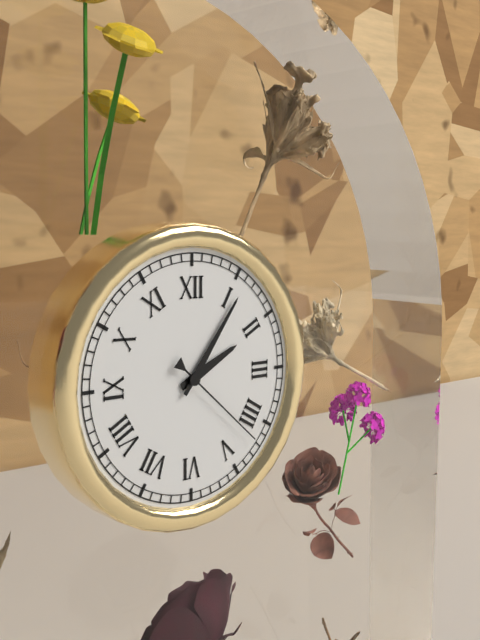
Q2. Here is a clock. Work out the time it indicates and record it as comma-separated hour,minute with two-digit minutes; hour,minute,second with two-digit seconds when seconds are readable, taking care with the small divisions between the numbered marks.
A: 2,06,22
